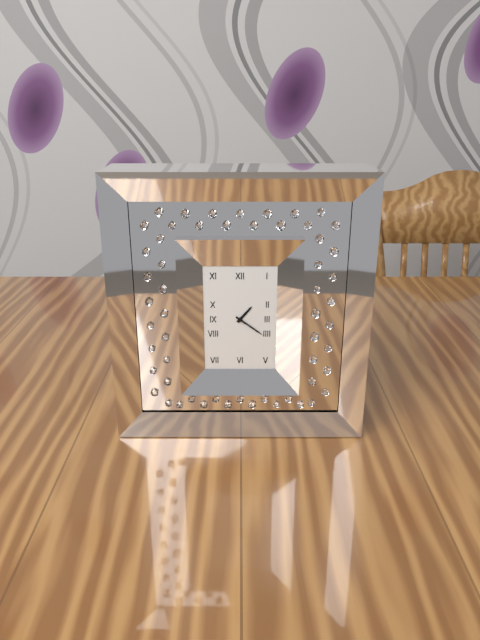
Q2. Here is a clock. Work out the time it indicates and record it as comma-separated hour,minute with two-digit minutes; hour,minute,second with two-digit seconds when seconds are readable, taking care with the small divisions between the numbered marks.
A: 1,21
